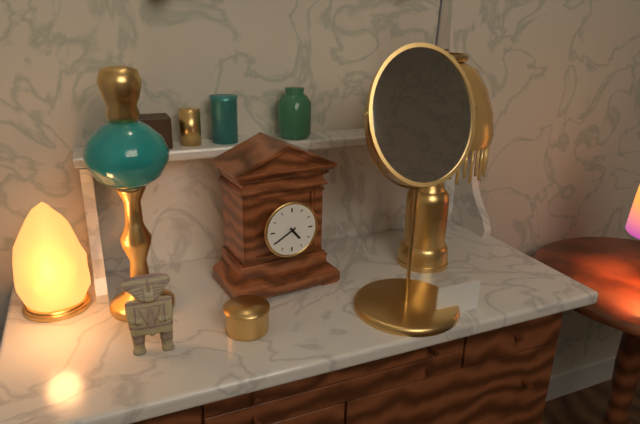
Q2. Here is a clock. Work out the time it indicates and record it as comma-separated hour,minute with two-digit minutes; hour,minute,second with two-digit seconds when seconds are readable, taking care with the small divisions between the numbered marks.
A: 4,40
